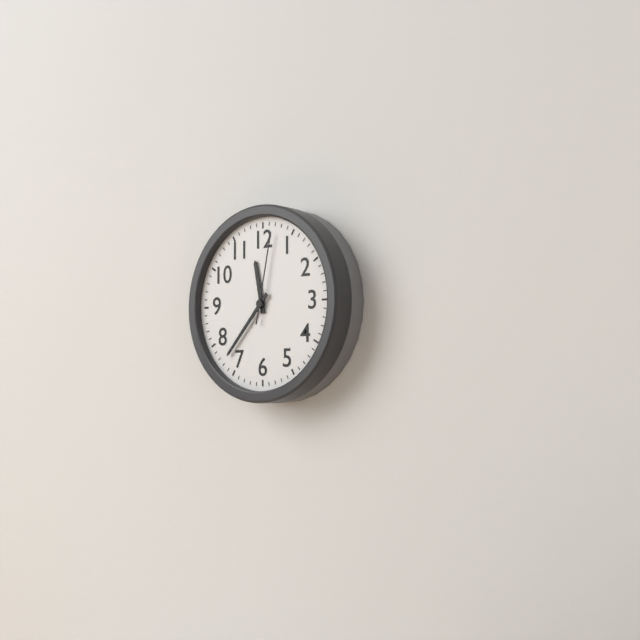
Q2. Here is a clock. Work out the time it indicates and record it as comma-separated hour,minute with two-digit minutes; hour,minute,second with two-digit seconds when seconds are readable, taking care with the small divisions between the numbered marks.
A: 11,37,02
